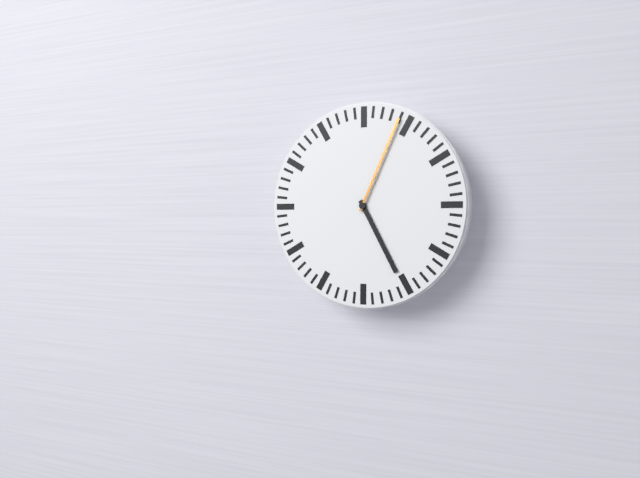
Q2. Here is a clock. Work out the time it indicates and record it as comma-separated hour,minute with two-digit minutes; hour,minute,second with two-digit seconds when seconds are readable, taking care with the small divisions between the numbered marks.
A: 5,04
